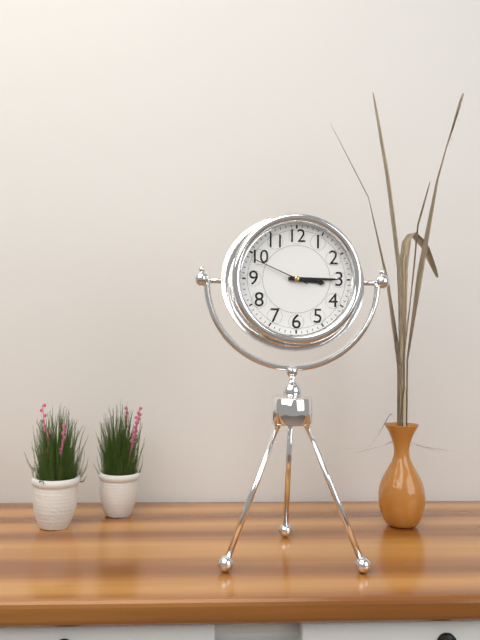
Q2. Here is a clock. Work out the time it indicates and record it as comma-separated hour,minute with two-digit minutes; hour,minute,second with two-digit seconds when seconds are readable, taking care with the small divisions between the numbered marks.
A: 3,15,49
